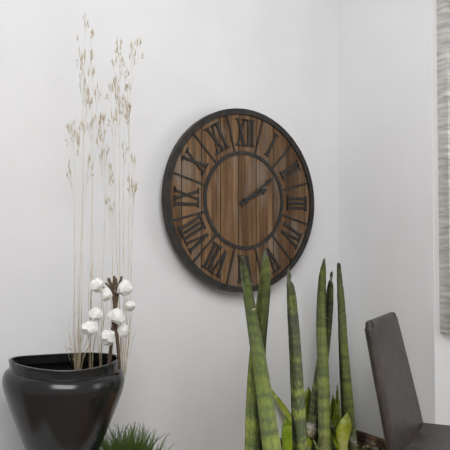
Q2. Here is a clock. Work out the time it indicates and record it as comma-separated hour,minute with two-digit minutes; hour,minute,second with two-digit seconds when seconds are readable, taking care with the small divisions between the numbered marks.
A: 2,09
